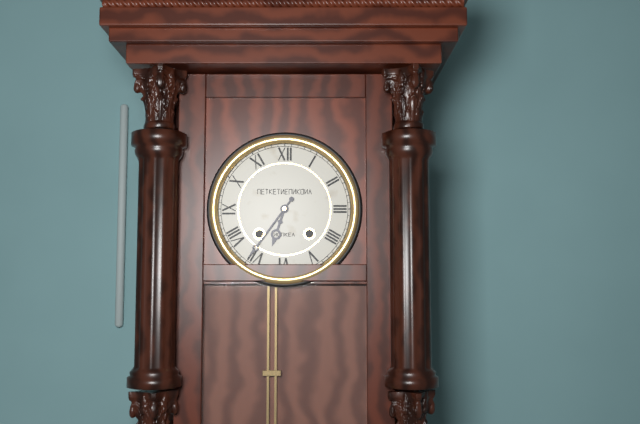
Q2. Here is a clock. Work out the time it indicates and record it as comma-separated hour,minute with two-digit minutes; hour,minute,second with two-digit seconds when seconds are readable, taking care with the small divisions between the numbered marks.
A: 6,36
